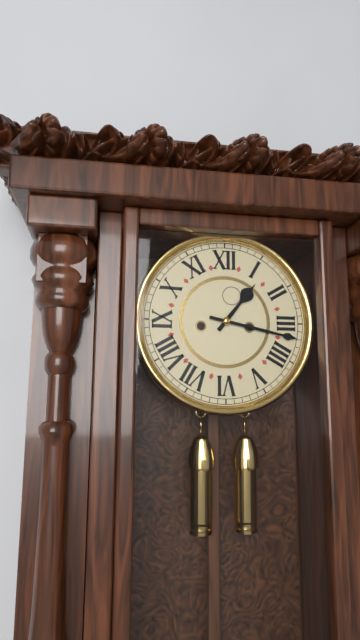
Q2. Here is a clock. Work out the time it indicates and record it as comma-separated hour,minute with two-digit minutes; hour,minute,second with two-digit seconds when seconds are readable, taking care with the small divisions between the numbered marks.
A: 1,17
